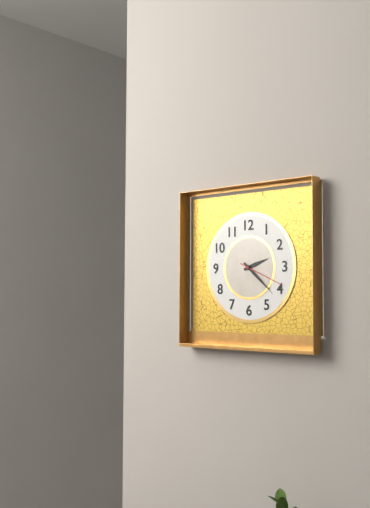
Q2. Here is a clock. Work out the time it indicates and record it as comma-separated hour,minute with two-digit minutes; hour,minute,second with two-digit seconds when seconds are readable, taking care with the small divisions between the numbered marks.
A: 2,22
